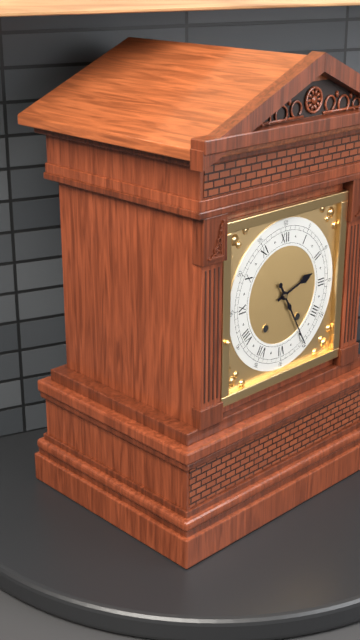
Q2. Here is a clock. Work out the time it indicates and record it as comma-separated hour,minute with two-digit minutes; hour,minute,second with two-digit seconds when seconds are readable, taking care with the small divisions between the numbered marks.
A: 2,25
